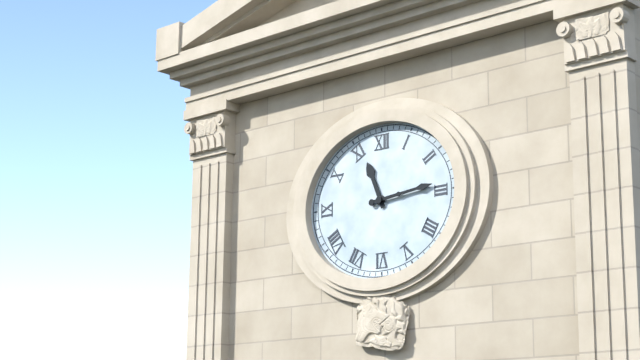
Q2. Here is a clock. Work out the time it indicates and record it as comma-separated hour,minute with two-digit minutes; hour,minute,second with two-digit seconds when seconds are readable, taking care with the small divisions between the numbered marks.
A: 11,14
